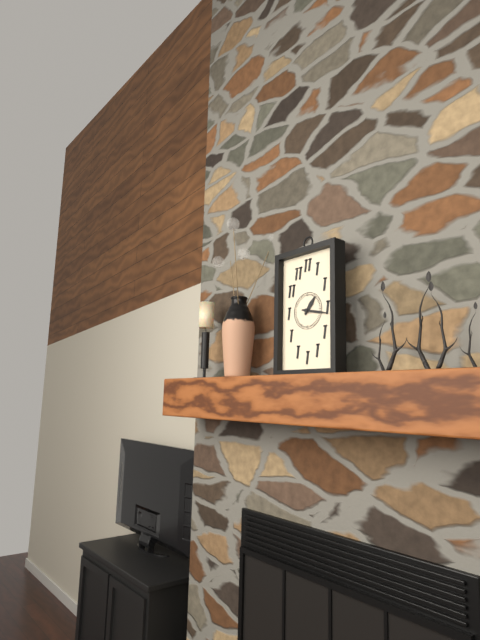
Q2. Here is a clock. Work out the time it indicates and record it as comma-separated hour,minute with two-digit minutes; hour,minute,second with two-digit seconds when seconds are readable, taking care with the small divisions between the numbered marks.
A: 1,17
